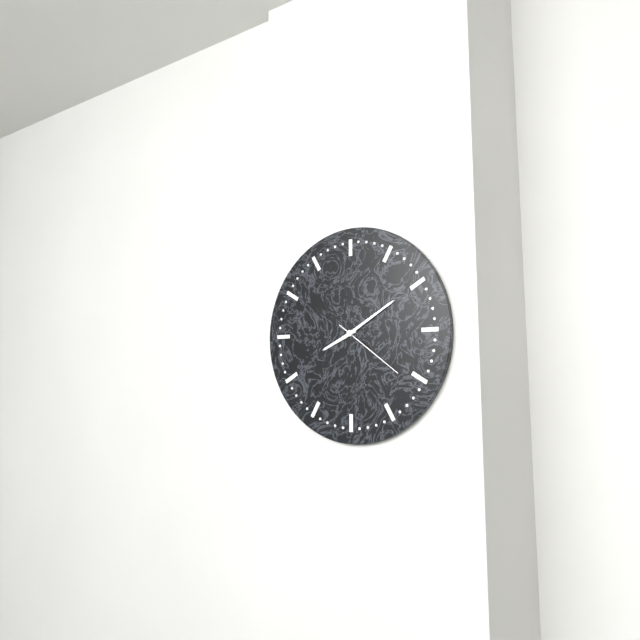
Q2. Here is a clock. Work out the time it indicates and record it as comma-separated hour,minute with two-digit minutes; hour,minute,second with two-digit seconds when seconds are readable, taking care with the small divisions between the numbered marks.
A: 8,10,21
